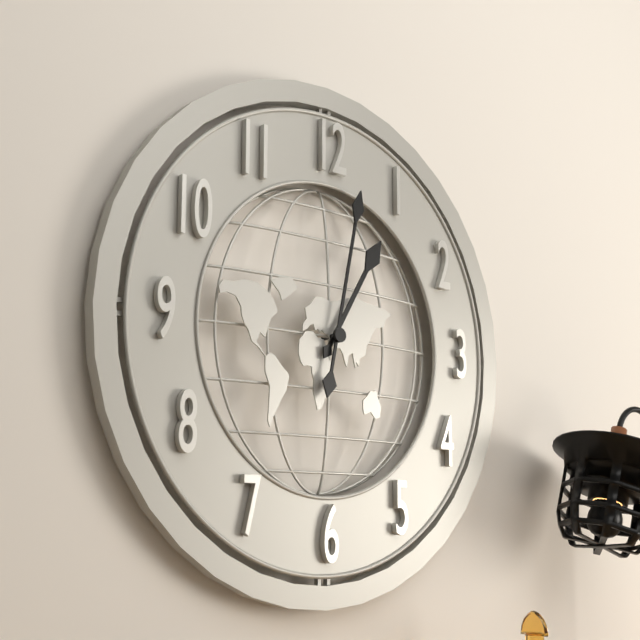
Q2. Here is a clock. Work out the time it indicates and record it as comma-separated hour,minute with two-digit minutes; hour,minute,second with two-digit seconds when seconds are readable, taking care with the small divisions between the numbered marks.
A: 1,02
